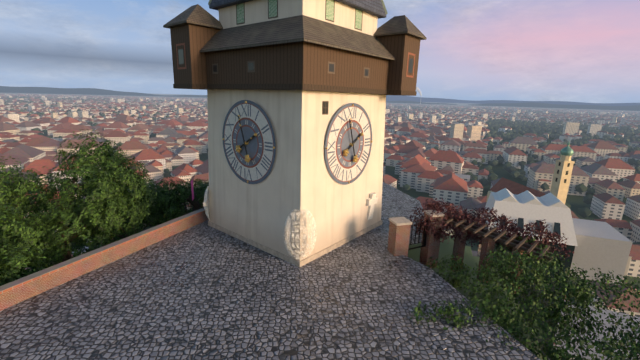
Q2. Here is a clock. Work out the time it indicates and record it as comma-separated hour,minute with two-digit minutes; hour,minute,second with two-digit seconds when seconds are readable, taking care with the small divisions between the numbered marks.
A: 1,57
